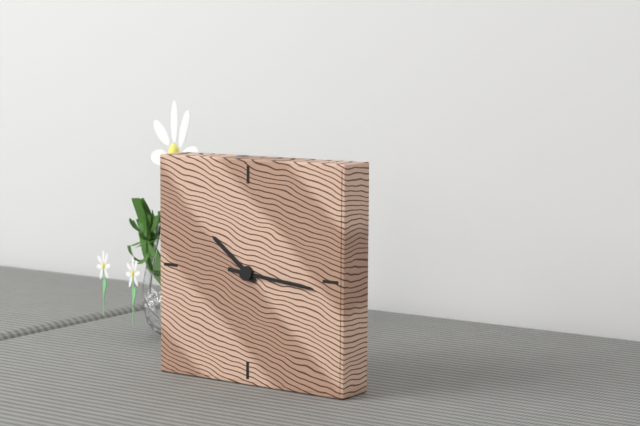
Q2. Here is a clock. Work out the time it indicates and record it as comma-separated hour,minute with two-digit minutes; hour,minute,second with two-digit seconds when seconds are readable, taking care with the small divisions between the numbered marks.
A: 10,16
